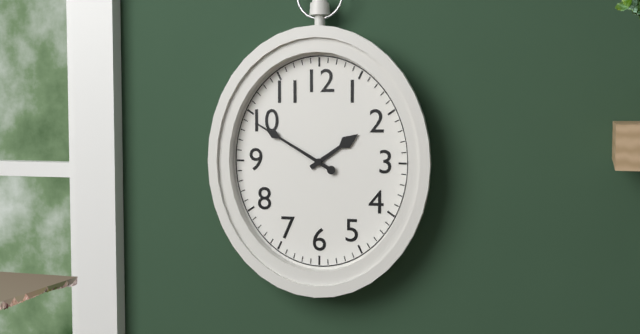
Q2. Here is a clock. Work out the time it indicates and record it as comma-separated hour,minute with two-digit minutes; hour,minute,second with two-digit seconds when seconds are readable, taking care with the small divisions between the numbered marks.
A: 1,50
